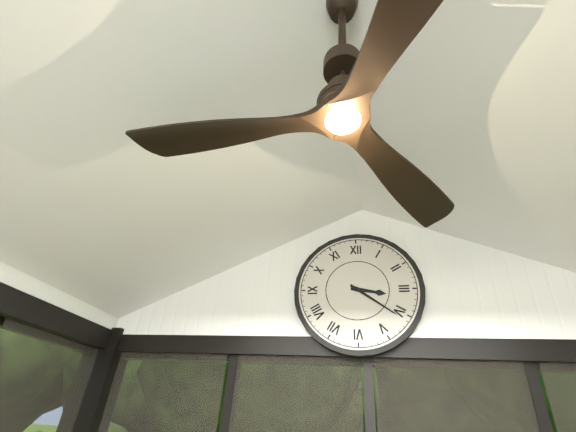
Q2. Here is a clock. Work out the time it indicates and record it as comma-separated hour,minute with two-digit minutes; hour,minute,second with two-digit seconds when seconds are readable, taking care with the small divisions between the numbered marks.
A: 3,21
